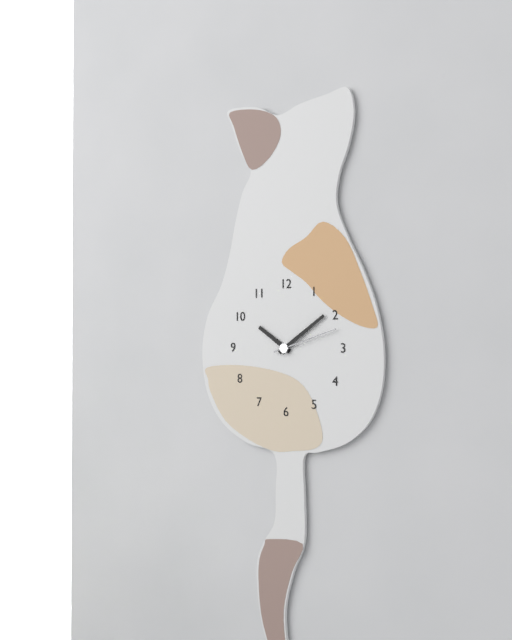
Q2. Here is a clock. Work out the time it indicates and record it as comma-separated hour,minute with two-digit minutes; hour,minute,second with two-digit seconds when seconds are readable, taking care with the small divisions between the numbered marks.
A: 10,09,12
